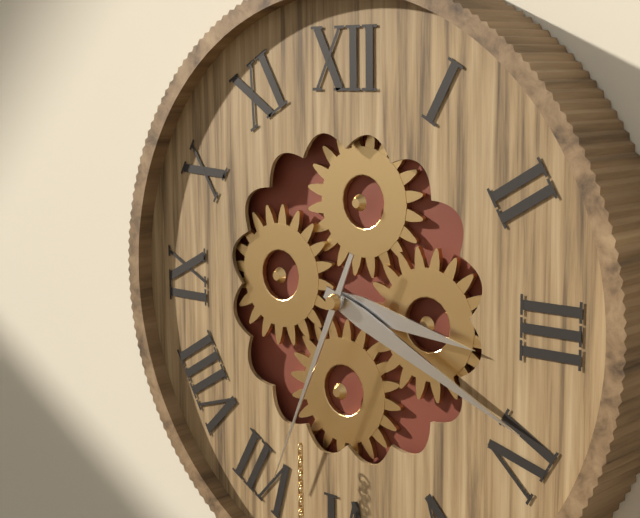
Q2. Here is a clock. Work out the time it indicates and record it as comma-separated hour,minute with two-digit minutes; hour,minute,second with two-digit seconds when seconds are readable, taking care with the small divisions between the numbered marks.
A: 3,19,34
